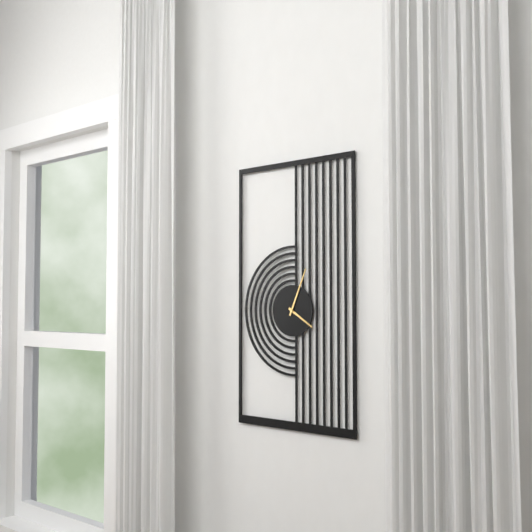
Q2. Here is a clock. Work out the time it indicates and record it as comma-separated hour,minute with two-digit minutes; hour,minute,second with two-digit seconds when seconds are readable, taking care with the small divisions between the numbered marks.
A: 4,04
